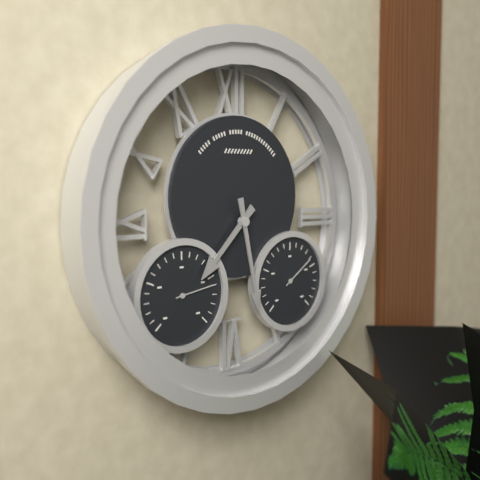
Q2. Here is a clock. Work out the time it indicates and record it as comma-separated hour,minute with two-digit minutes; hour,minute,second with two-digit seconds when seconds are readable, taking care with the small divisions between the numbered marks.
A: 7,28
